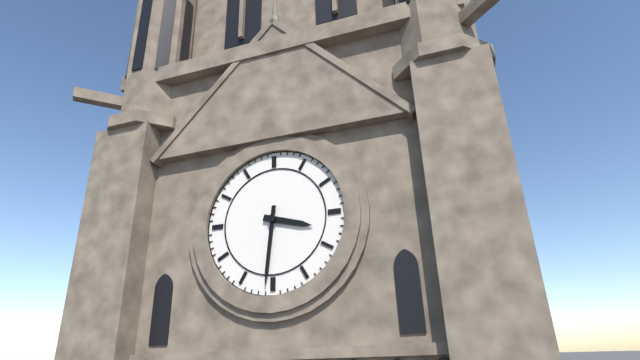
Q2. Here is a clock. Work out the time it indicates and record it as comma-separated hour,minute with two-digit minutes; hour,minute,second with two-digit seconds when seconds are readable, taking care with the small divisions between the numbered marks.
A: 3,31
